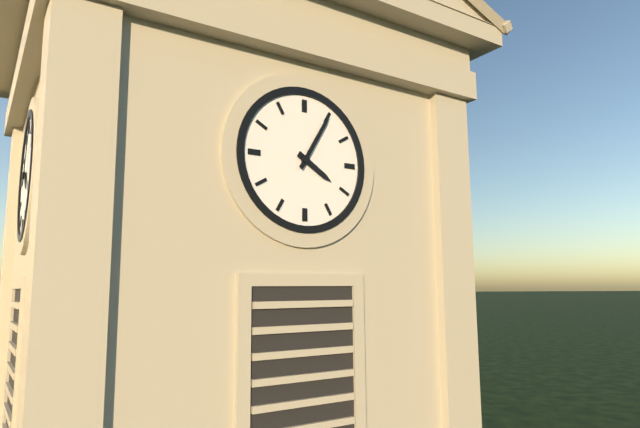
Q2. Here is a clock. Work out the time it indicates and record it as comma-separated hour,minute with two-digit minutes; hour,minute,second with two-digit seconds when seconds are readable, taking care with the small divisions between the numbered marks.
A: 4,05
